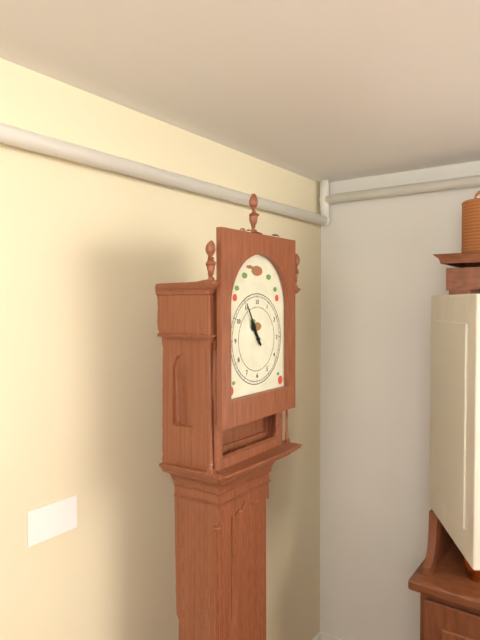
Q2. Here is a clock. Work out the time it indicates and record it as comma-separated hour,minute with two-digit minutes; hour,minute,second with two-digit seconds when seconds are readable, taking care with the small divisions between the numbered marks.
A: 10,55
